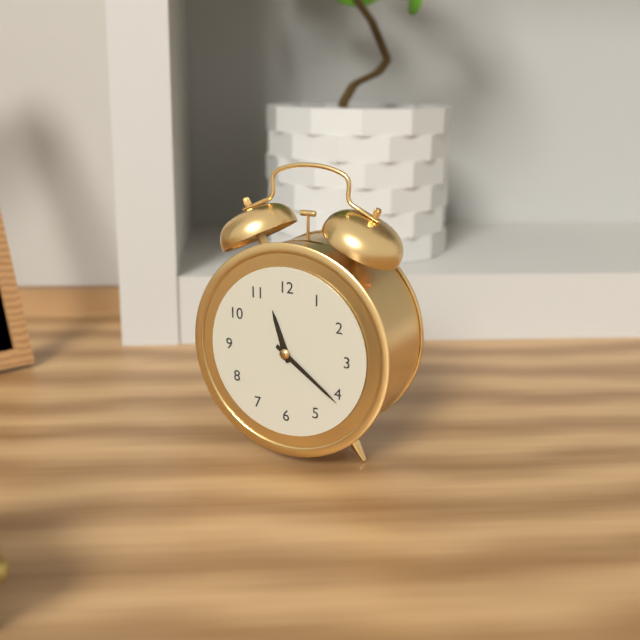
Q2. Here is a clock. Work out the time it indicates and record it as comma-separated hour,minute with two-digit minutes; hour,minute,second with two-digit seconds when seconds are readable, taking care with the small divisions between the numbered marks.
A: 11,21
